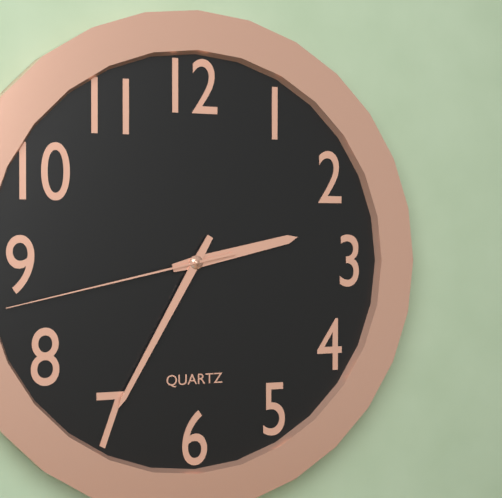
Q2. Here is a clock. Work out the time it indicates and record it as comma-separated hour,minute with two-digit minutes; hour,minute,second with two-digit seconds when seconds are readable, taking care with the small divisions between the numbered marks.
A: 2,35,43
